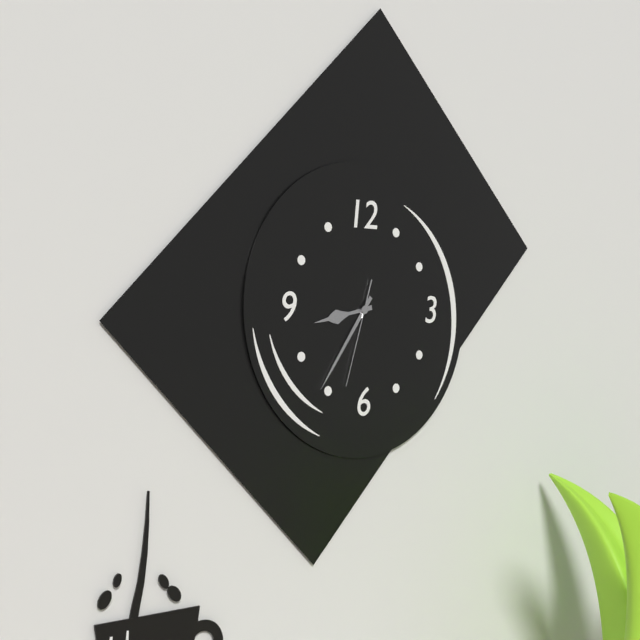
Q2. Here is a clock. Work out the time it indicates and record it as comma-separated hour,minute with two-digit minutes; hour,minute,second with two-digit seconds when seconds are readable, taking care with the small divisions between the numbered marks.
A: 8,36,33
